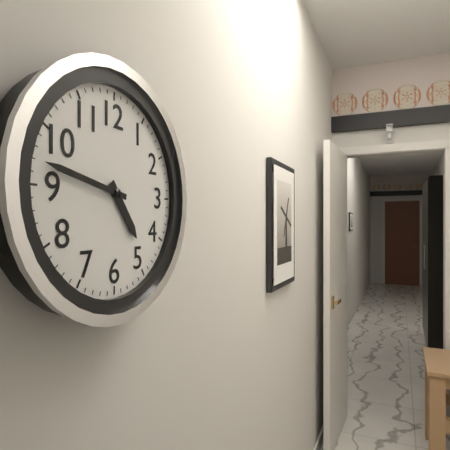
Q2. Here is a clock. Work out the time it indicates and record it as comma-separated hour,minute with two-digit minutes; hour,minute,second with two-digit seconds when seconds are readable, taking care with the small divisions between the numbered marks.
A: 4,47
